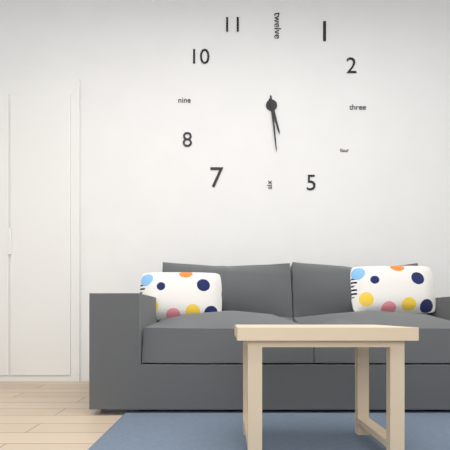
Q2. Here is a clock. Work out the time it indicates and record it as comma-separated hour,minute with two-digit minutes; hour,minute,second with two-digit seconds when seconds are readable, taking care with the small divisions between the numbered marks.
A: 5,29
